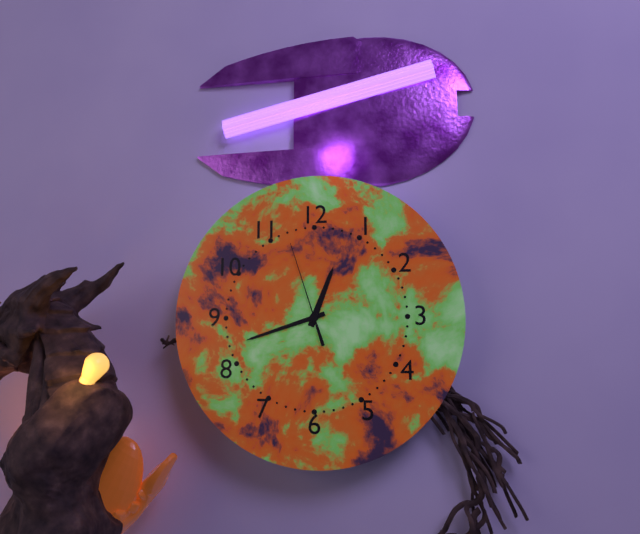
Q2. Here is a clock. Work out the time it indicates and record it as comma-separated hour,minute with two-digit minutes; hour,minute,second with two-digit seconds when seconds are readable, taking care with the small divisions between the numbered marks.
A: 12,42,57
